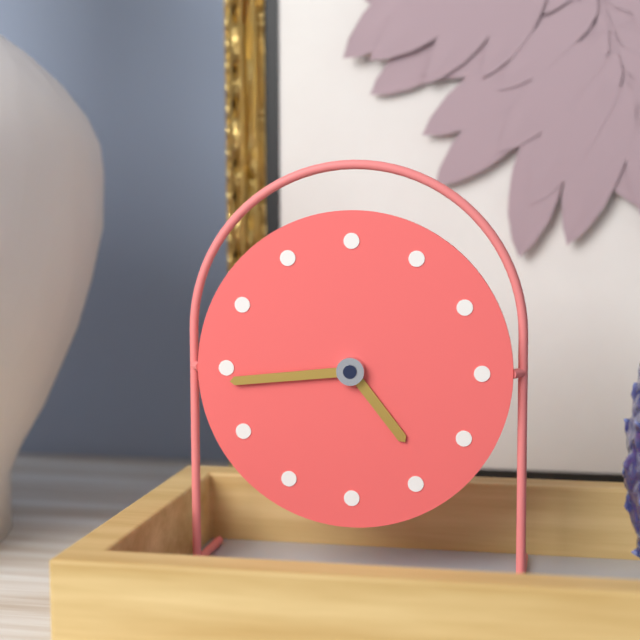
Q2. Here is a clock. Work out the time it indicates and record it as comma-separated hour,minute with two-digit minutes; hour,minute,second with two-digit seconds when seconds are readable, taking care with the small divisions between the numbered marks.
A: 4,44
